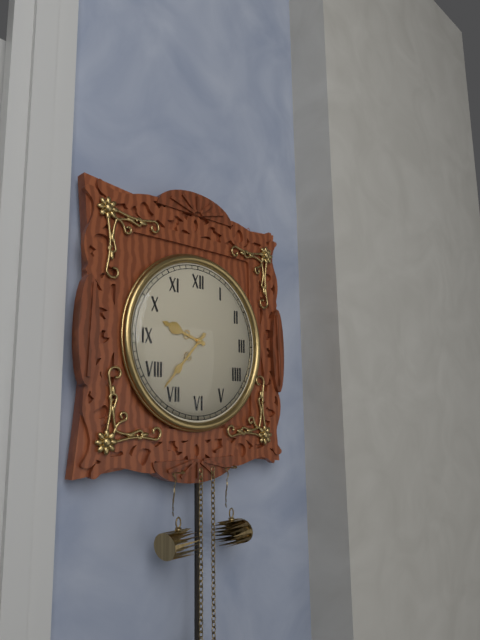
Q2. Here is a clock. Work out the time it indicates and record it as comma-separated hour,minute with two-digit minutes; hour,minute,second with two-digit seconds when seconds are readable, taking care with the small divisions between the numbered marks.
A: 9,37
